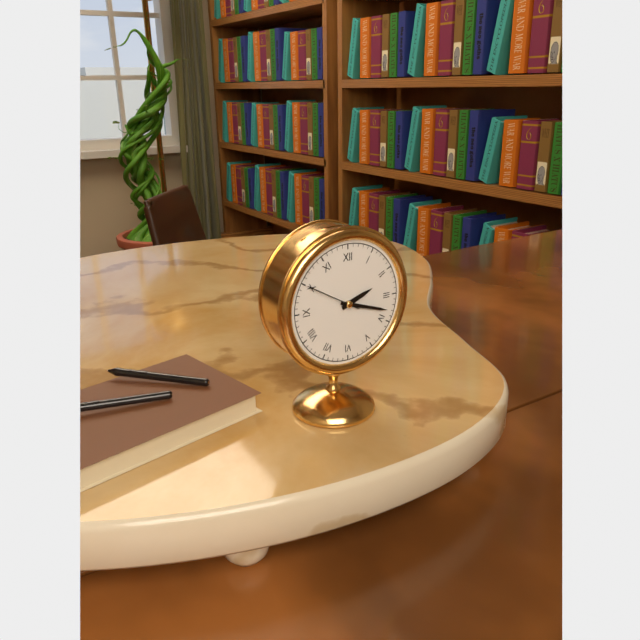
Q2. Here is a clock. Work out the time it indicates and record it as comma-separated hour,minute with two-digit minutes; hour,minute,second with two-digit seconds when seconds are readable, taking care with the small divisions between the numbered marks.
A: 2,18,50
